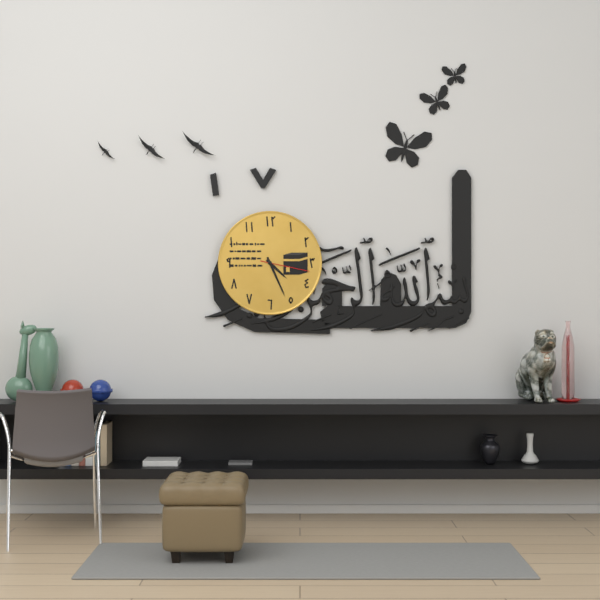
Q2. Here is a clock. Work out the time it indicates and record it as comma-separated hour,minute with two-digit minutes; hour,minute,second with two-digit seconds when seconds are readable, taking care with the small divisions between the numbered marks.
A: 4,26,17
